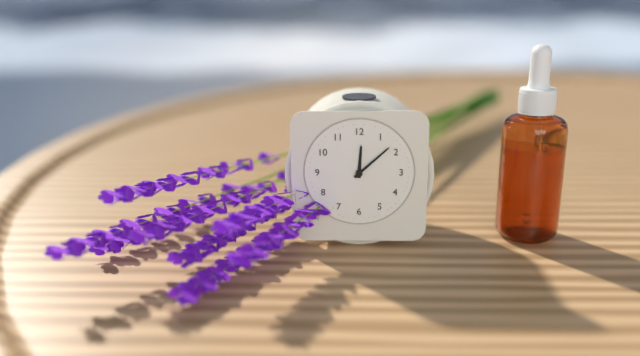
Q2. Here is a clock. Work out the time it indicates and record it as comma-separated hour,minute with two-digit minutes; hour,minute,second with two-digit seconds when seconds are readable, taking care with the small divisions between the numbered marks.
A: 12,08
